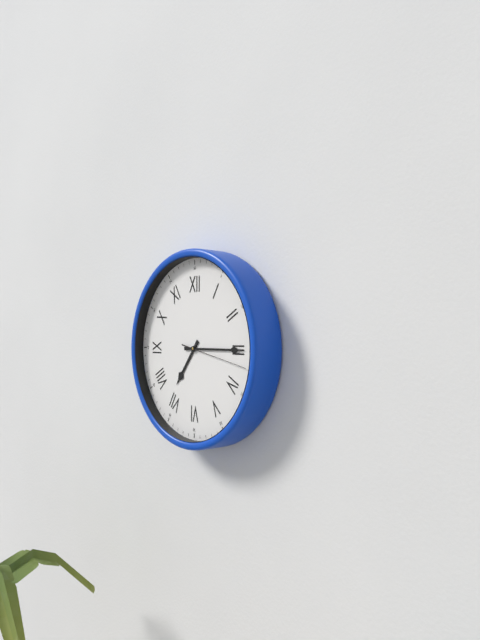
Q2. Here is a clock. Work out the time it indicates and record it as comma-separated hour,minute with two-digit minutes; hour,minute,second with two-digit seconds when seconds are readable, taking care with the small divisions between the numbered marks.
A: 7,15,17
